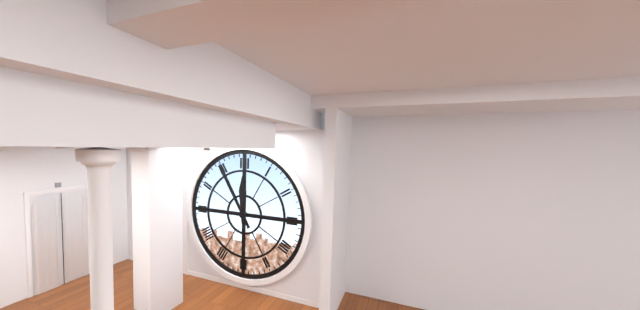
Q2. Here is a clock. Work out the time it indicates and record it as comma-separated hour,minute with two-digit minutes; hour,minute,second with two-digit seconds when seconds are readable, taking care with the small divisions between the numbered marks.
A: 11,55
